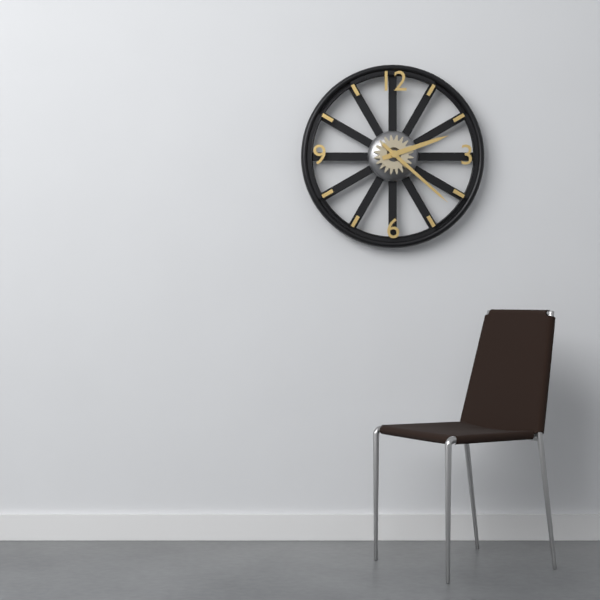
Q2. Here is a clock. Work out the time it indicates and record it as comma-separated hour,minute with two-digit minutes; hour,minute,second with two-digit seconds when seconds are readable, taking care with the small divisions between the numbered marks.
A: 2,22
